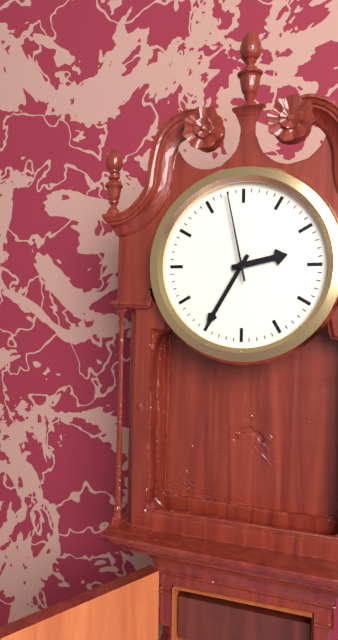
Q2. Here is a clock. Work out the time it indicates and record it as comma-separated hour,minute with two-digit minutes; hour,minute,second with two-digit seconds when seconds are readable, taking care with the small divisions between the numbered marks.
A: 2,35,58
